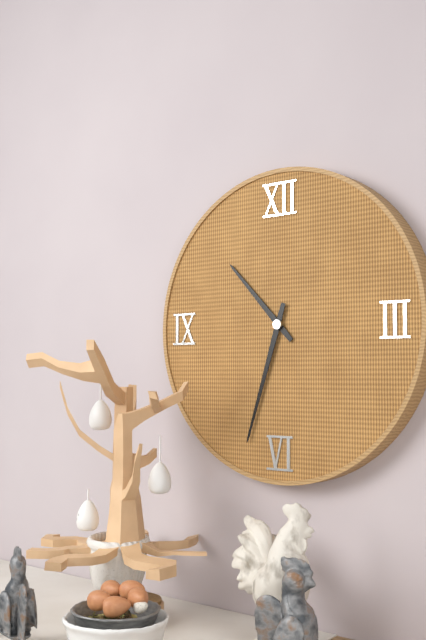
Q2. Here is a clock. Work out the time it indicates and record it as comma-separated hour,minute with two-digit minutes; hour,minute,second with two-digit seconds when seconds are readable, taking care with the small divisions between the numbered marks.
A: 10,33
